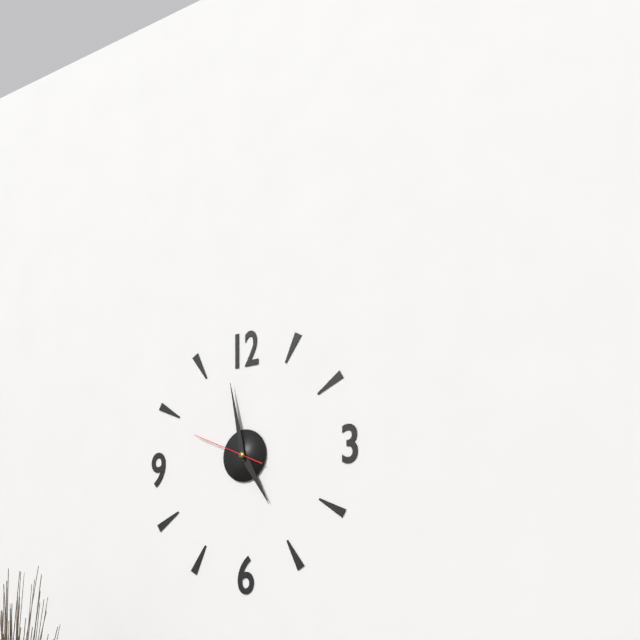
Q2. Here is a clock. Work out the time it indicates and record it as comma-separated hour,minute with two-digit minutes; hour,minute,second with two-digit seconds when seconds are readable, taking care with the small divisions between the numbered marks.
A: 4,58,49
